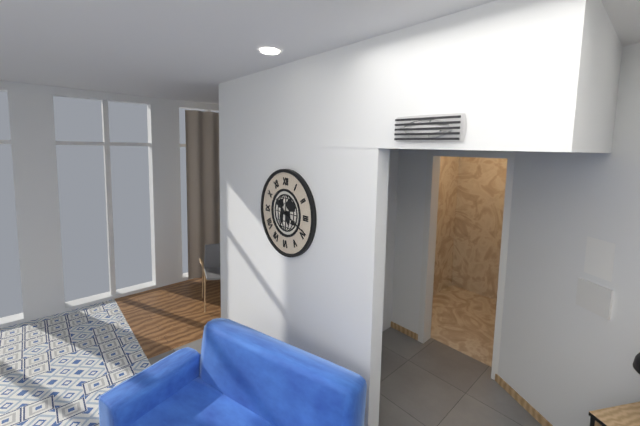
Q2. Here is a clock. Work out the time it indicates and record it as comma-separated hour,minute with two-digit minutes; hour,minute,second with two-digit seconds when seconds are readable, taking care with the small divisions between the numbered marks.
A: 10,19
